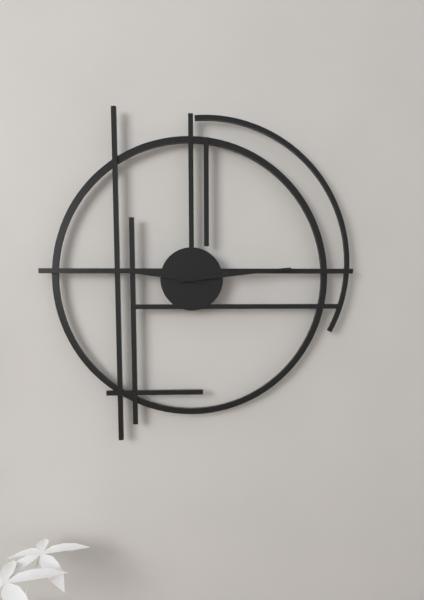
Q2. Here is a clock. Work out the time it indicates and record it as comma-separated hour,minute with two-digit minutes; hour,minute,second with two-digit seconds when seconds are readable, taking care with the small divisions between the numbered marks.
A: 9,14
